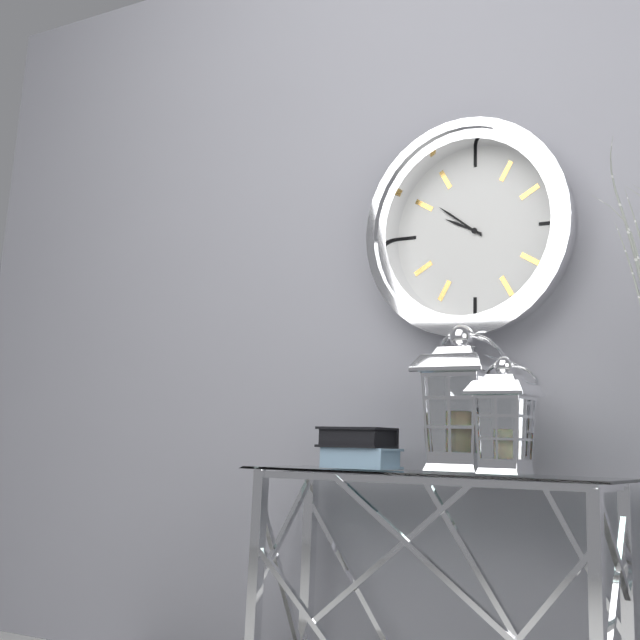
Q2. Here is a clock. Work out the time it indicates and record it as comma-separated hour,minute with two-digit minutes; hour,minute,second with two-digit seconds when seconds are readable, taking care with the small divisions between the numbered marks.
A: 9,51
